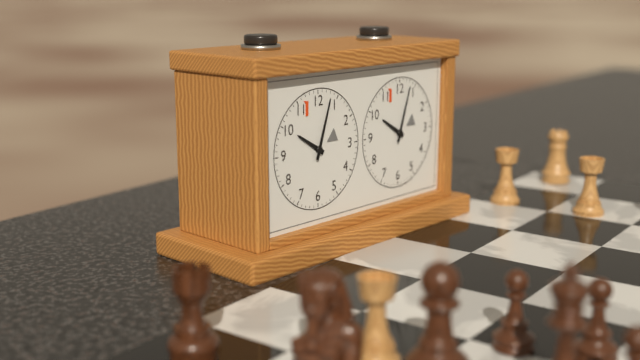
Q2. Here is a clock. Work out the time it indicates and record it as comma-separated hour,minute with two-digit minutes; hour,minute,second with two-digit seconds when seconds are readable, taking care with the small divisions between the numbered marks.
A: 10,03
